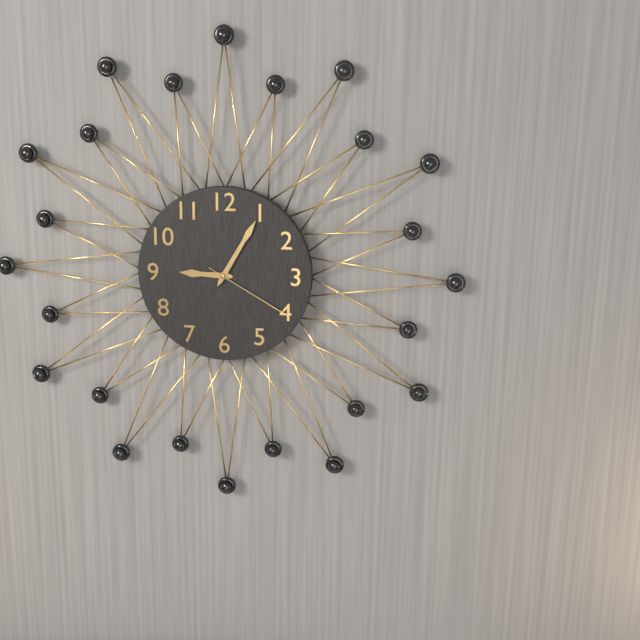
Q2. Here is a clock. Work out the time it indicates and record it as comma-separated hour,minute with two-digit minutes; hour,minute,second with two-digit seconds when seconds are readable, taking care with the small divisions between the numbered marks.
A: 9,05,20
